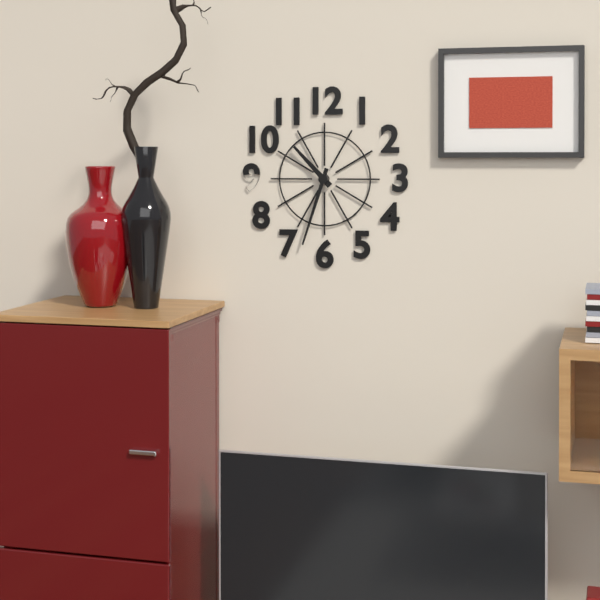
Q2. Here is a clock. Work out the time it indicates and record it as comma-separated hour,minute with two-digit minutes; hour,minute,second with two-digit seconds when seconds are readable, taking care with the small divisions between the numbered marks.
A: 10,33
